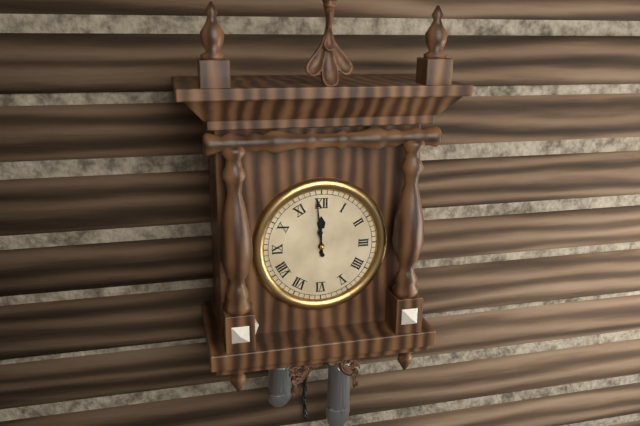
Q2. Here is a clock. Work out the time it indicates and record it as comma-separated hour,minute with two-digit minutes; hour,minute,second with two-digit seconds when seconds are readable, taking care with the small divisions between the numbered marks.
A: 11,59
